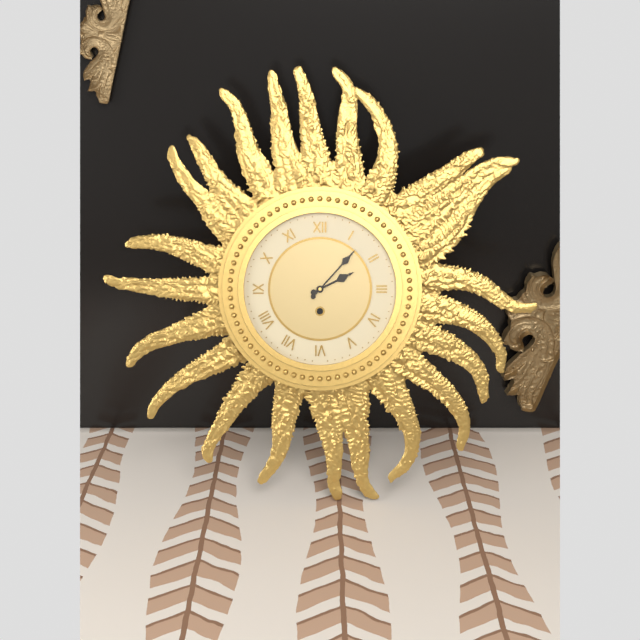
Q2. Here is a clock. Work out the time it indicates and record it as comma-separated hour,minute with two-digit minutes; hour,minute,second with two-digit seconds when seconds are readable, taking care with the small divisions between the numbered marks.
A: 2,07
